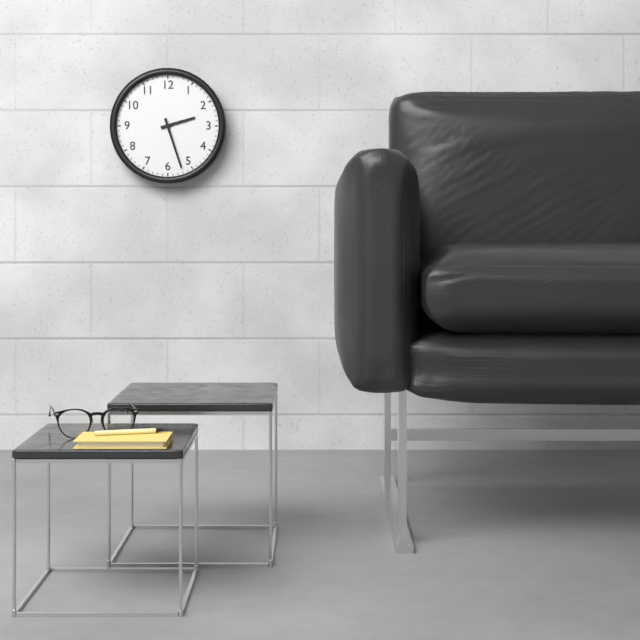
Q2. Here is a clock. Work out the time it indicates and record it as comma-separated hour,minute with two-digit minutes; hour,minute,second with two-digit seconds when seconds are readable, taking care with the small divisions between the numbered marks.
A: 2,27
